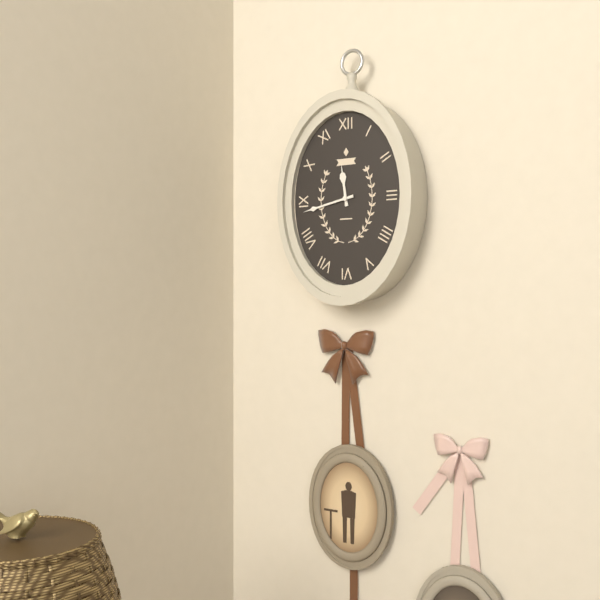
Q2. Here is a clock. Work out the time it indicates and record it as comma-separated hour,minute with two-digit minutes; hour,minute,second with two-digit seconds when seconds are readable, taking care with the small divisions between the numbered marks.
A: 11,43
